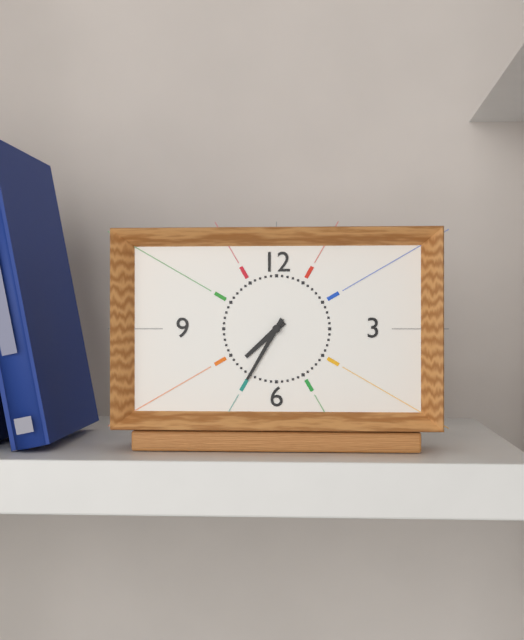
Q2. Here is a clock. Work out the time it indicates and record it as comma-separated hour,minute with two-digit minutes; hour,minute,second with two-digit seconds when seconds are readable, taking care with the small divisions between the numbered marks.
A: 7,35
